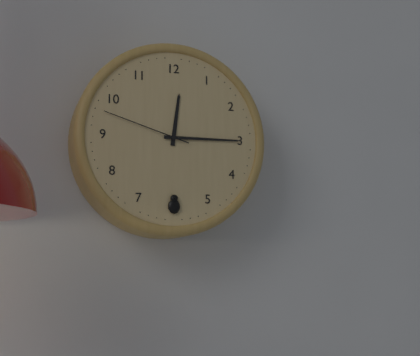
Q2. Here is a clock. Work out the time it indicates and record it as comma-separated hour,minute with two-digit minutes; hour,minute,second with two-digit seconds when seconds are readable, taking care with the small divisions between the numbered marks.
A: 12,15,48
